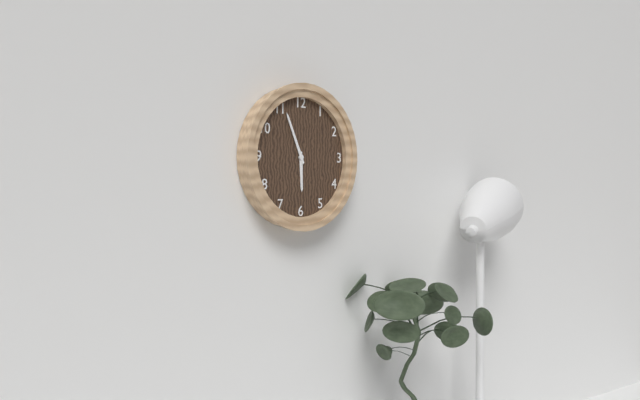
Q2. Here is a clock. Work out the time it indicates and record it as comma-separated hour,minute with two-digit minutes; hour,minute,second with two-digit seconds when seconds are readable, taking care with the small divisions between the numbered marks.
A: 5,56
